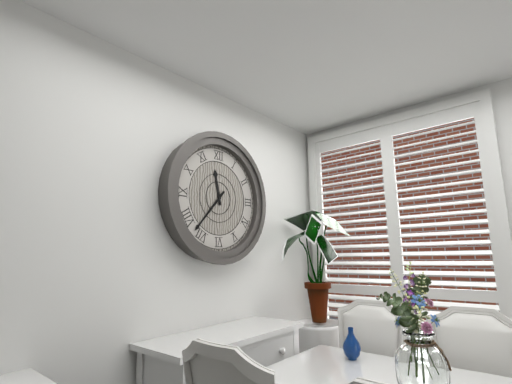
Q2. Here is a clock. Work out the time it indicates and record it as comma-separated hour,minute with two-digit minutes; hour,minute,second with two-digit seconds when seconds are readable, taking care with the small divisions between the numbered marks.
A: 11,37
